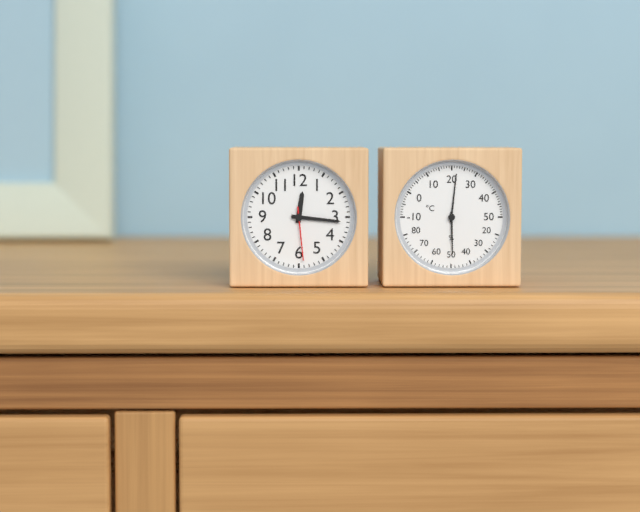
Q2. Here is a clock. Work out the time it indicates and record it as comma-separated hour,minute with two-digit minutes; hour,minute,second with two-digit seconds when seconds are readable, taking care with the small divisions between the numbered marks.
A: 12,16,29
